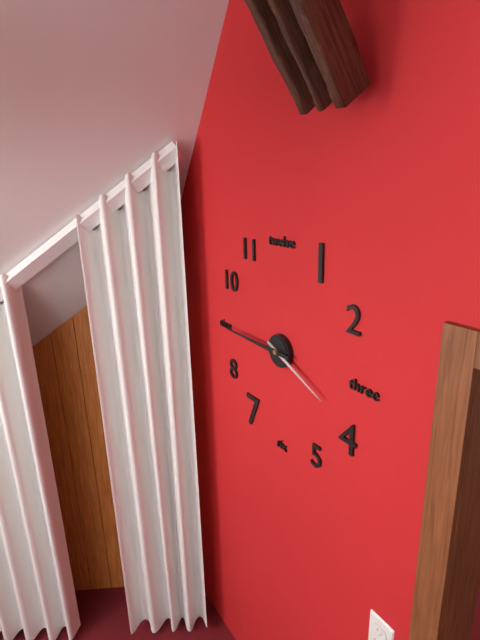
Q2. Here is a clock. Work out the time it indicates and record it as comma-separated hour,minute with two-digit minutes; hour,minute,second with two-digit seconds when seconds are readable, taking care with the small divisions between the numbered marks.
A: 3,45
